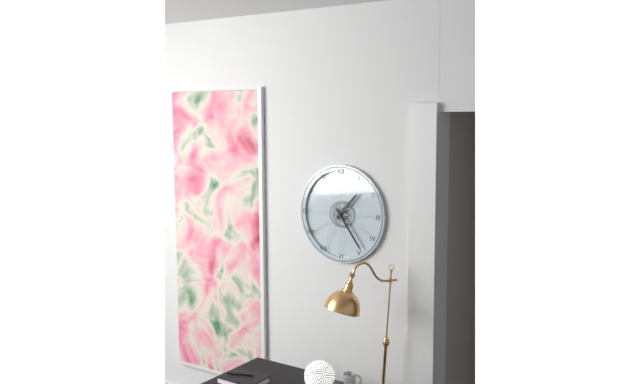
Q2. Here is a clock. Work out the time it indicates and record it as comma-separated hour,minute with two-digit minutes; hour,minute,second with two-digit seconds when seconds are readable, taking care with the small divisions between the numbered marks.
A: 1,24
